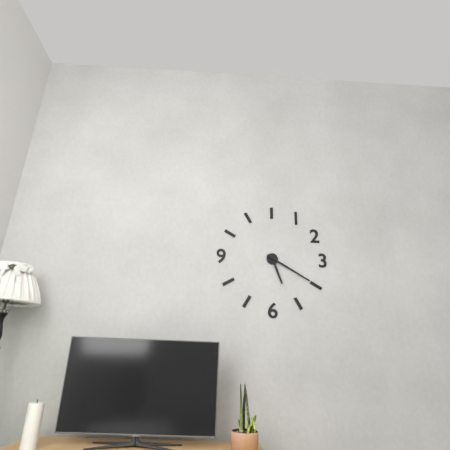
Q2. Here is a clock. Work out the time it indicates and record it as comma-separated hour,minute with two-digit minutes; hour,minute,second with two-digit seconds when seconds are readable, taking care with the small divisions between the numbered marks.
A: 5,20
